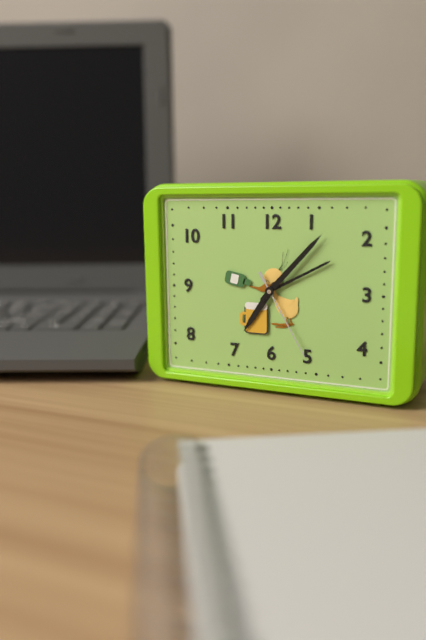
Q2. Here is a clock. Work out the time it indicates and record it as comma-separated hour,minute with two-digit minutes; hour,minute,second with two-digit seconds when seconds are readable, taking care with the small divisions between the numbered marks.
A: 7,07,25
